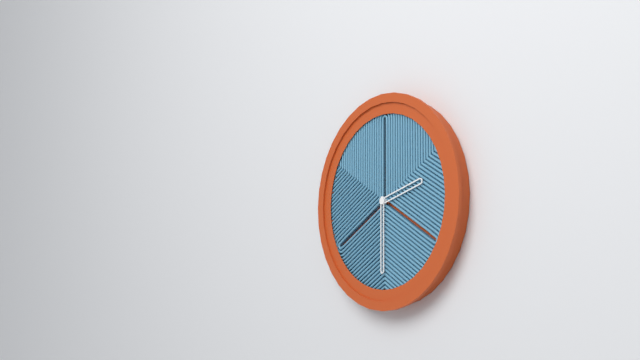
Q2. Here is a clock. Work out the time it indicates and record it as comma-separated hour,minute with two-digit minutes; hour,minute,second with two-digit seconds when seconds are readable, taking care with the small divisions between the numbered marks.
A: 2,30
